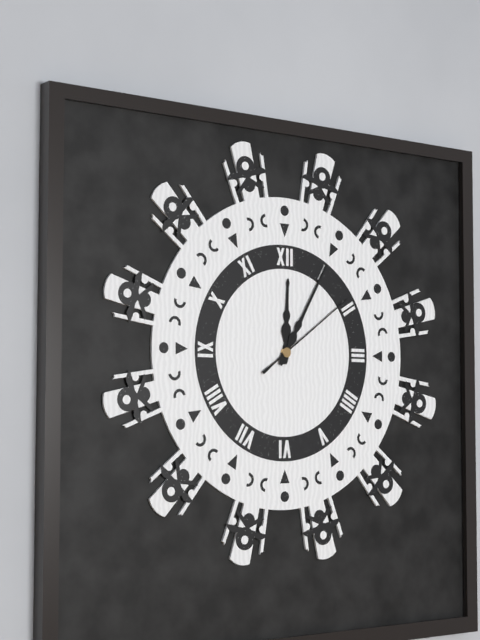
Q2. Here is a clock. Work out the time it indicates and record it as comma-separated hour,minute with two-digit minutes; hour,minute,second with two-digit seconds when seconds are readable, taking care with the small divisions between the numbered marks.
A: 12,05,09
